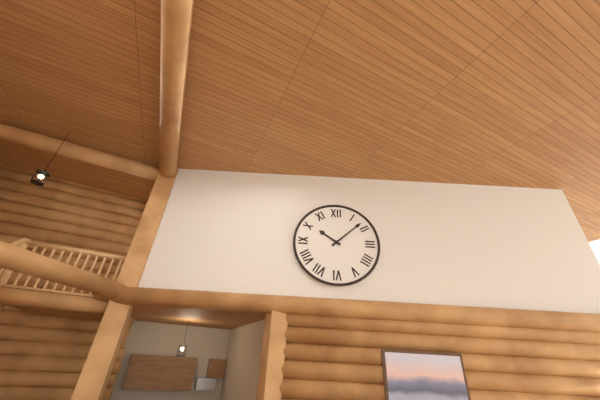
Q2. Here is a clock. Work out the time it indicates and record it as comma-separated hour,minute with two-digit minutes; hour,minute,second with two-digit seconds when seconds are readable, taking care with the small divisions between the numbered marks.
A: 10,08
